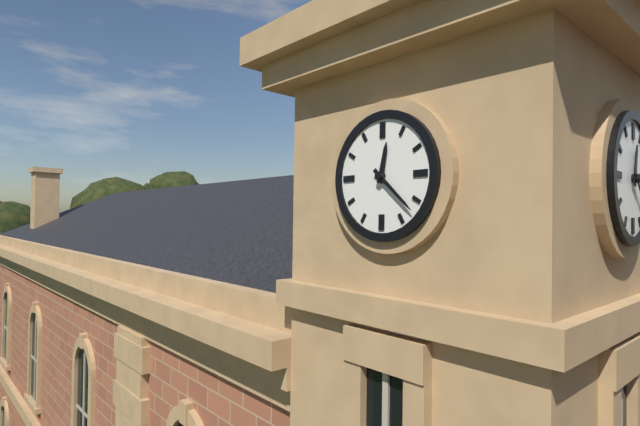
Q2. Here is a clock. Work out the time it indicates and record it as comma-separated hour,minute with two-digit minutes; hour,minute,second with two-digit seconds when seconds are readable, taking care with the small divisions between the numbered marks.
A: 12,22
